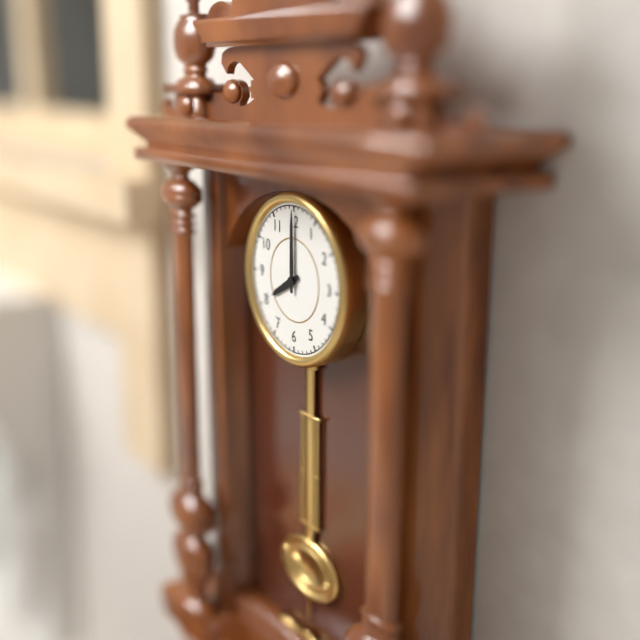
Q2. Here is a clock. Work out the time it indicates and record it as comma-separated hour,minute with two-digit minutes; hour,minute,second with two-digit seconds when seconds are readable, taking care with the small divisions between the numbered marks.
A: 8,00
